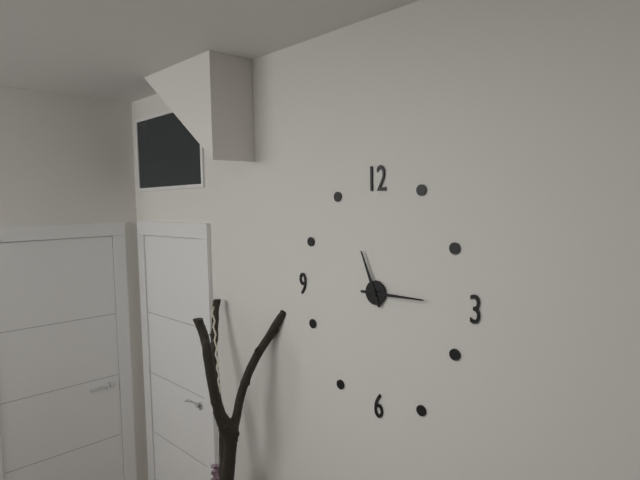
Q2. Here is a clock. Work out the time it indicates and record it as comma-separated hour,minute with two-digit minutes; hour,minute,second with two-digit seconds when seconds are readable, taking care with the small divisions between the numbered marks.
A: 11,15
